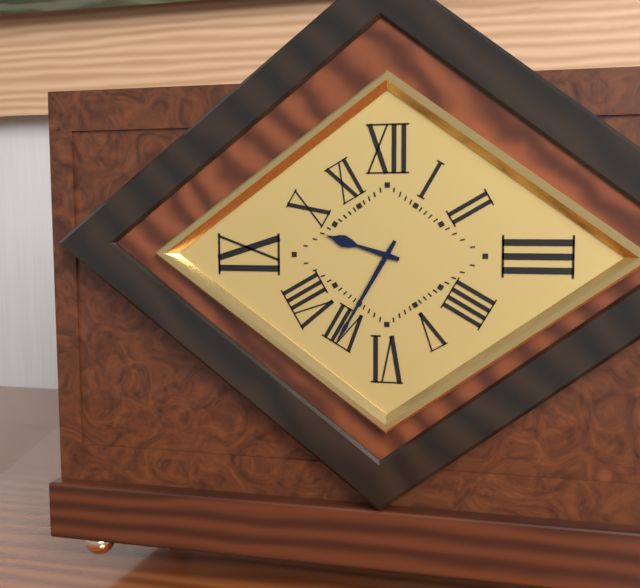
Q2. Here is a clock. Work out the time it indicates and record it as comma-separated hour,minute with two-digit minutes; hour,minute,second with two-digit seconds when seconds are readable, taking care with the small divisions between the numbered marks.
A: 9,35
